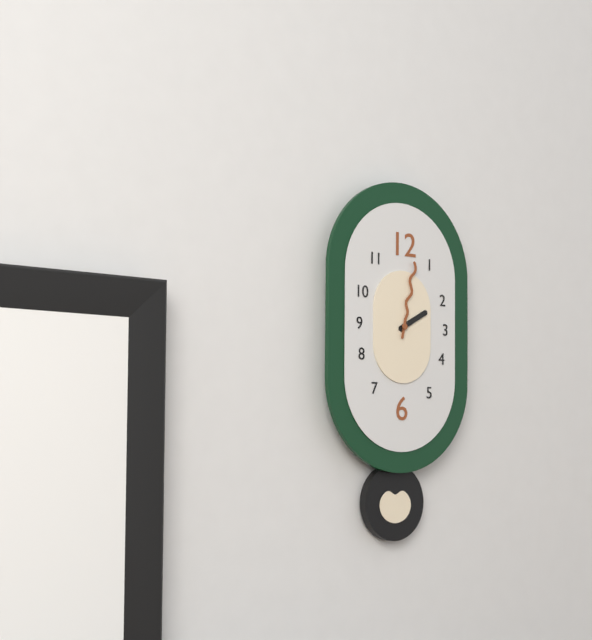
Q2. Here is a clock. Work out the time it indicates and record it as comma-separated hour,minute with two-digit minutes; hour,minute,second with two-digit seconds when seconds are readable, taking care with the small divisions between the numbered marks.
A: 2,02
